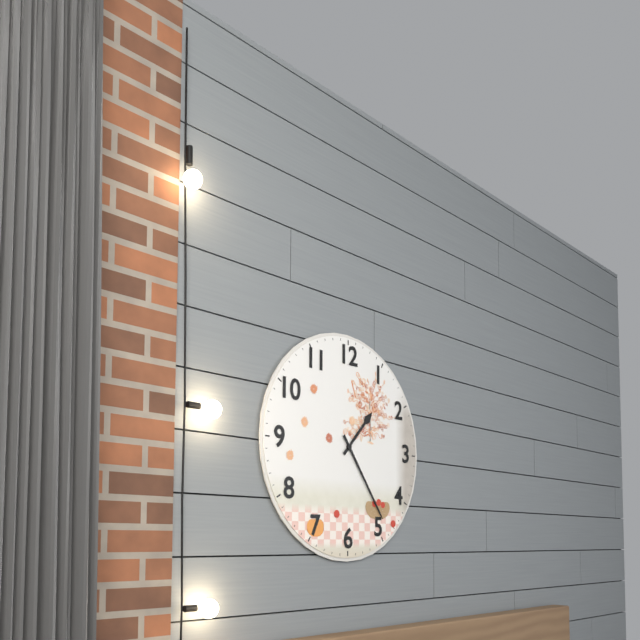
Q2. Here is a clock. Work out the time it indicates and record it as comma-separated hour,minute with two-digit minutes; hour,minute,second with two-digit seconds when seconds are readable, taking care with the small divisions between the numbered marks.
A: 1,24
